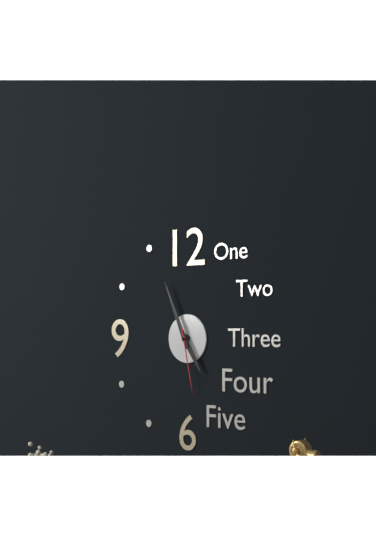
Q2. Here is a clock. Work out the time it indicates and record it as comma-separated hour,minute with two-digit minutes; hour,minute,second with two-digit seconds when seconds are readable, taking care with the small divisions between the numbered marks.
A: 4,56,28
